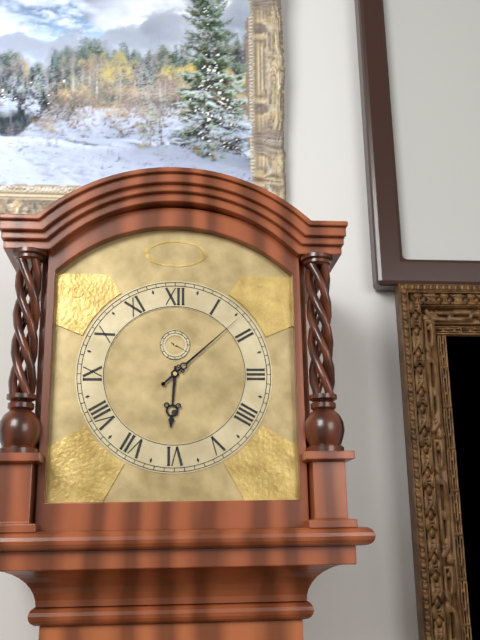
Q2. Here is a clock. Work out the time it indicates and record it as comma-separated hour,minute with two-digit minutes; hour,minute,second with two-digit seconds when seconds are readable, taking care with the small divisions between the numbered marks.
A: 6,08
